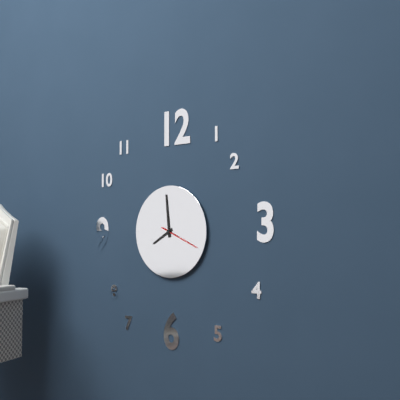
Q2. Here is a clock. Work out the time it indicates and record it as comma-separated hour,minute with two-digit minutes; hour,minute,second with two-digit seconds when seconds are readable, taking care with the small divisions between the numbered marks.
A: 7,59
